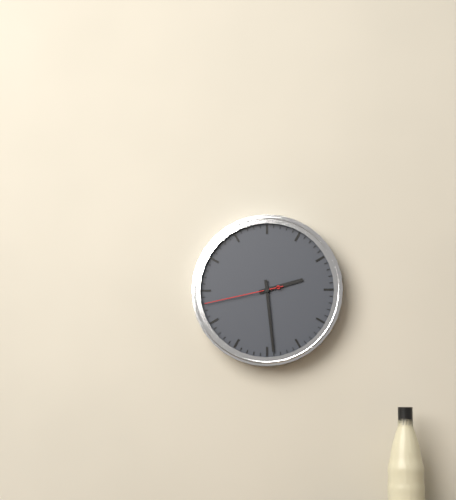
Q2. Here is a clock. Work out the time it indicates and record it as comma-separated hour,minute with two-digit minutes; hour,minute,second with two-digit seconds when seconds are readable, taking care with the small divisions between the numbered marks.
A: 2,29,43
